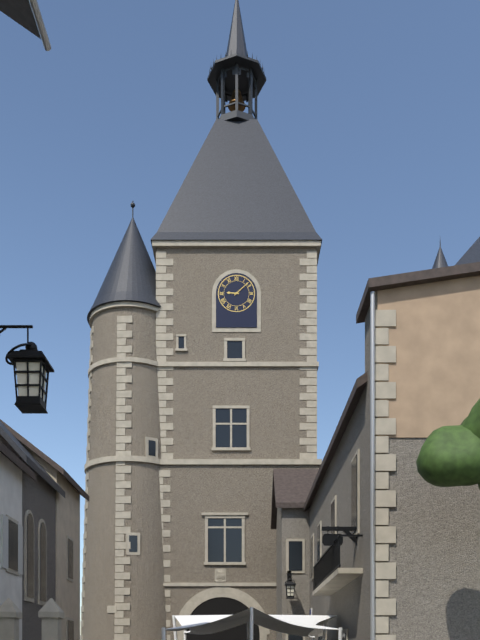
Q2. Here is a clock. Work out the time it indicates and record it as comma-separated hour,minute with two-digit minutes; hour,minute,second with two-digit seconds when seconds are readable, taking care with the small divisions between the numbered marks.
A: 9,08
